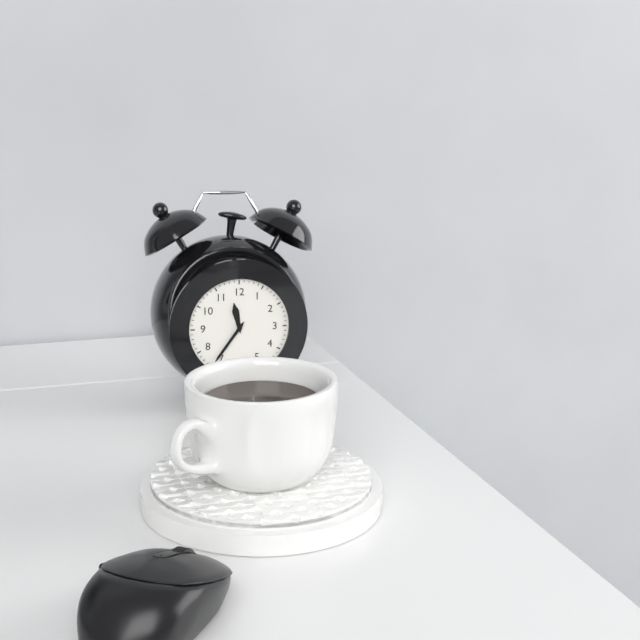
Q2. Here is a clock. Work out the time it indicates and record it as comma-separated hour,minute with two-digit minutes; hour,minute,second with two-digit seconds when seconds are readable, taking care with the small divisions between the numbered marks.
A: 11,36
